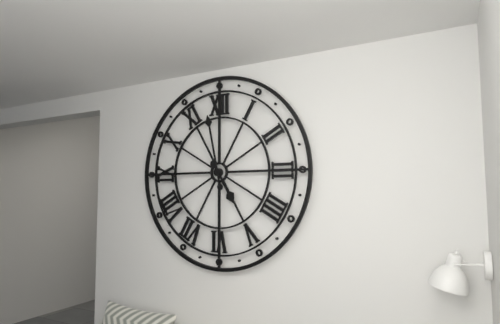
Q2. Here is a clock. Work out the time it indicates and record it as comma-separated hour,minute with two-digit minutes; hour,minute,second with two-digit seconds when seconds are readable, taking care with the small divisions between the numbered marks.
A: 4,58
